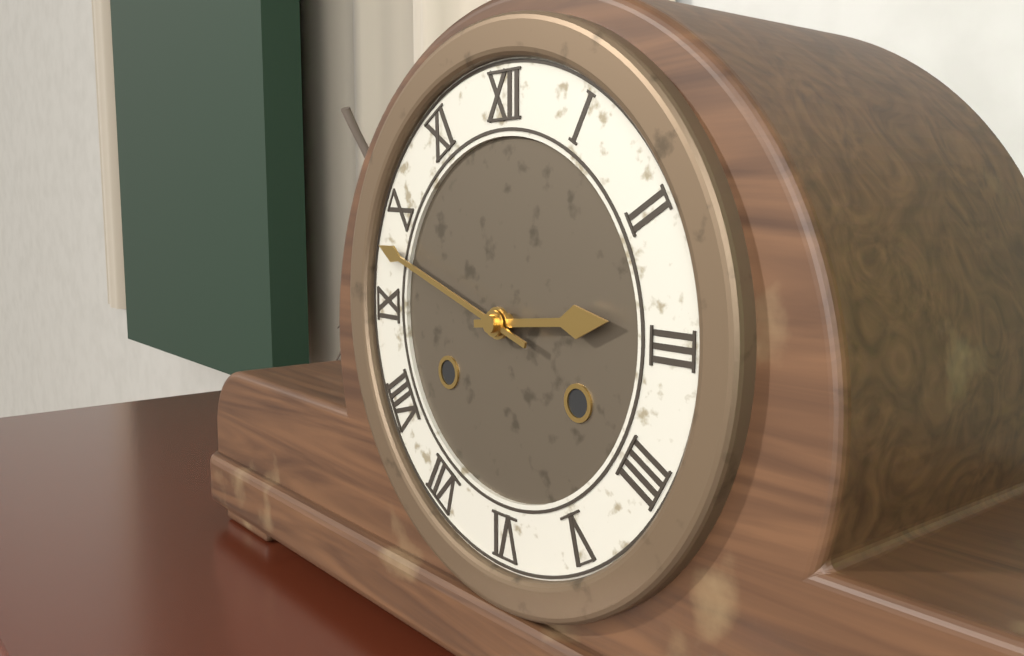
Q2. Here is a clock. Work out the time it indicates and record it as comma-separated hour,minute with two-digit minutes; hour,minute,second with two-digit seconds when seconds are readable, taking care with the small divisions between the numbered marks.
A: 2,48
